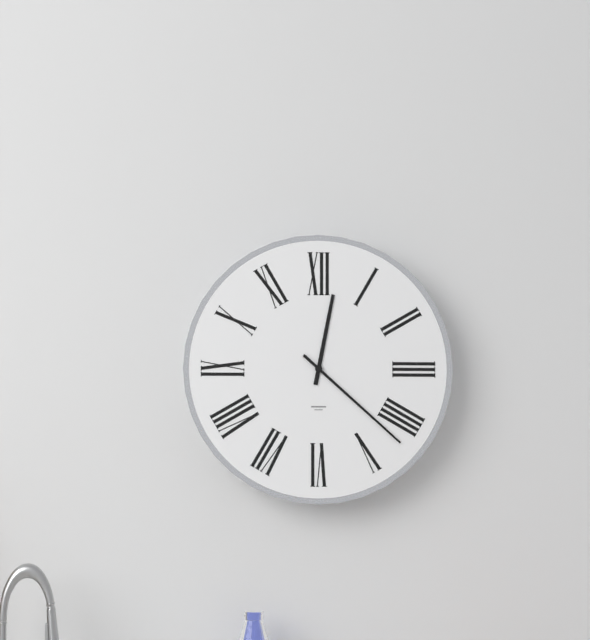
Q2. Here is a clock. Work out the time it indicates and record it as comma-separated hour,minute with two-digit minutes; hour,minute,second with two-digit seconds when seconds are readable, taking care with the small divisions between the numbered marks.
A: 12,22
